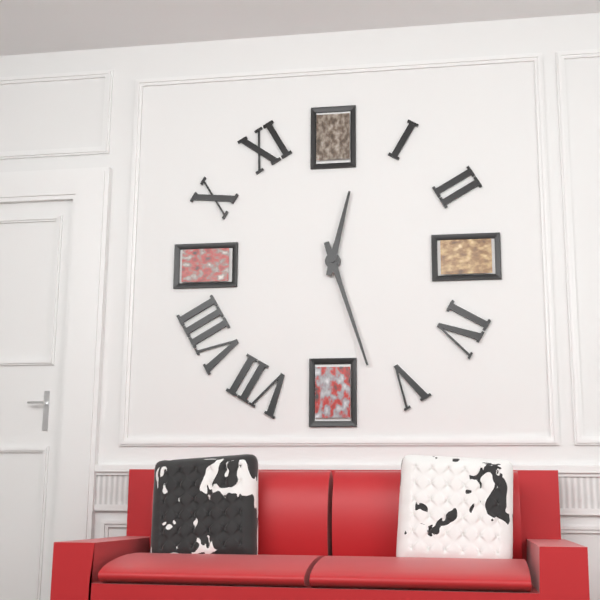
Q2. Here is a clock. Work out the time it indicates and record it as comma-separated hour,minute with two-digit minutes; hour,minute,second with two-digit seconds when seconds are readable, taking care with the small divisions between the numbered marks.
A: 12,27
